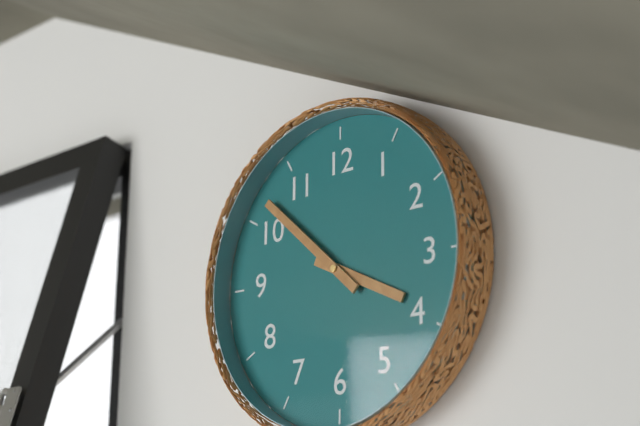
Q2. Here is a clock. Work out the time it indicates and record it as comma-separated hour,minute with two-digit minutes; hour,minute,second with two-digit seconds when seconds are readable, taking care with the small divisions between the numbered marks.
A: 3,52
